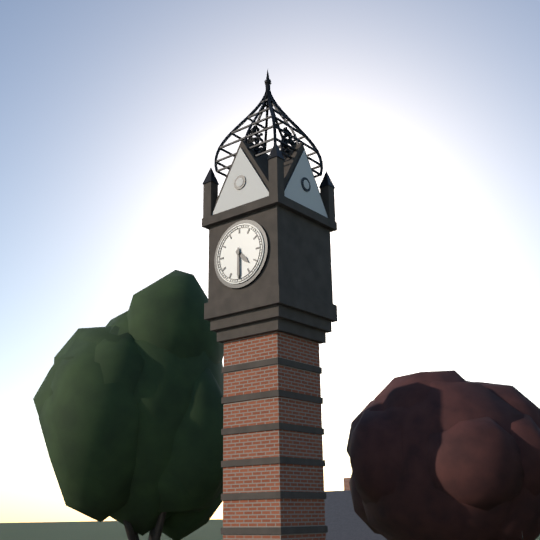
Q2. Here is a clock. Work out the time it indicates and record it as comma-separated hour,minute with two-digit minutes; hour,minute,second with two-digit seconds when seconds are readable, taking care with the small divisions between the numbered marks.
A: 4,30
